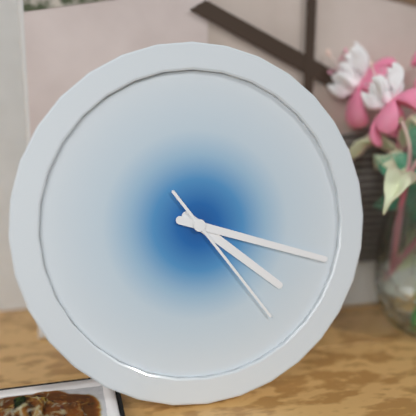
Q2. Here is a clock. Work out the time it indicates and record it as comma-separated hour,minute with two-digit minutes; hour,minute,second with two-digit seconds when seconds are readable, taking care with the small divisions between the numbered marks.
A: 4,18,24
